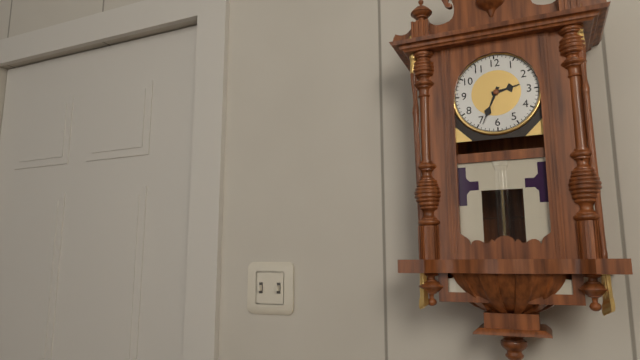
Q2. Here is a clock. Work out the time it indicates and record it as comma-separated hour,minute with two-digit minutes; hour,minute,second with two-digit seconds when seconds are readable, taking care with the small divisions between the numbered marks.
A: 2,34
